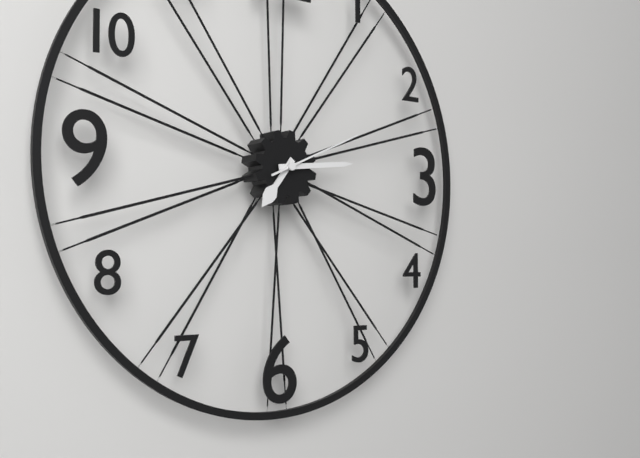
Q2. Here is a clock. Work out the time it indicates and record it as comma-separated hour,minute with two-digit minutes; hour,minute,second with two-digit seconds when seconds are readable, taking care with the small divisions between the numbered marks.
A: 7,14,11
